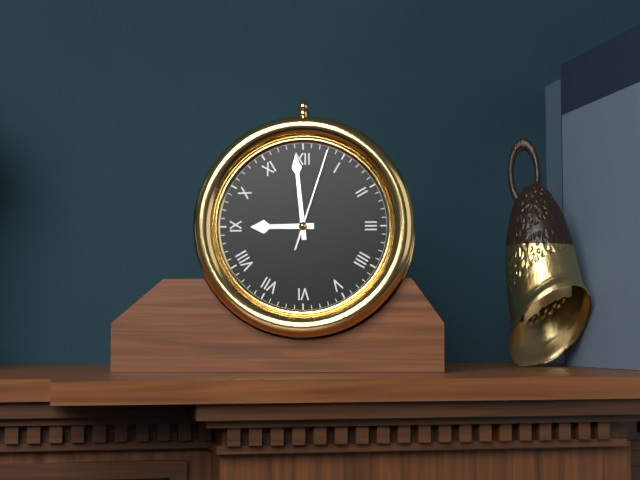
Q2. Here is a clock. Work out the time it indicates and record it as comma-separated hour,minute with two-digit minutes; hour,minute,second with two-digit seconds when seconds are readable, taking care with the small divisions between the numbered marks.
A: 8,59,03
